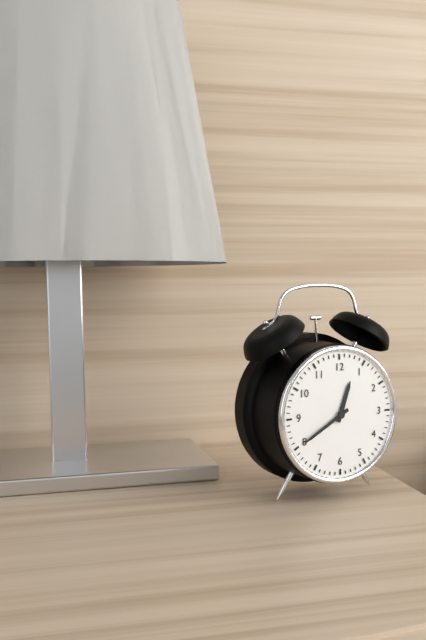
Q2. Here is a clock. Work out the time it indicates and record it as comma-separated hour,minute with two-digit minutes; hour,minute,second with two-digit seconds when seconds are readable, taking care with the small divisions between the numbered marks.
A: 12,40
